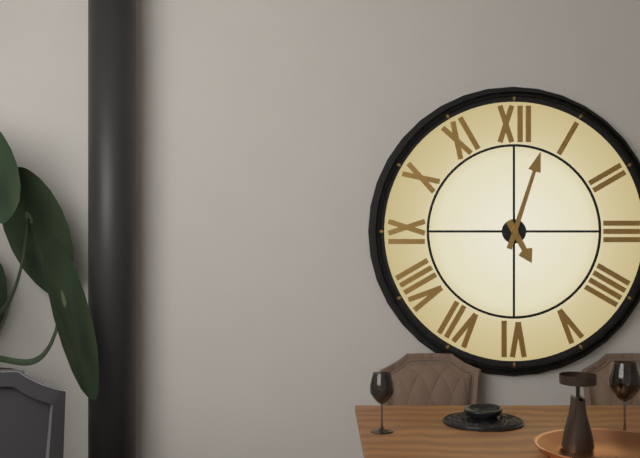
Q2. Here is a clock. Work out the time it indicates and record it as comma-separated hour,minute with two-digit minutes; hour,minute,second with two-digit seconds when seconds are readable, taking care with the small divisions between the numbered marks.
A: 5,03
